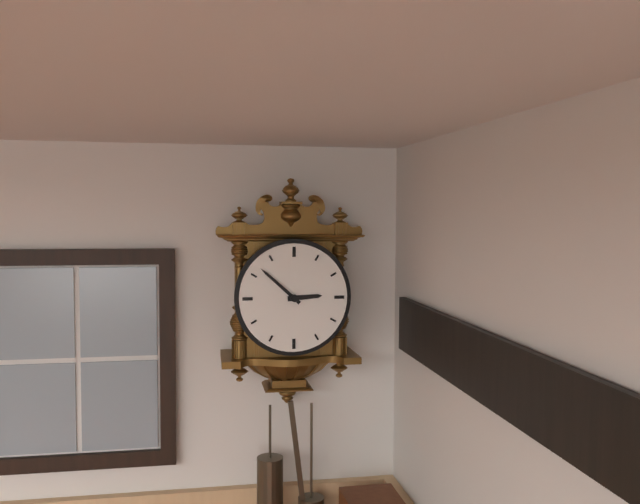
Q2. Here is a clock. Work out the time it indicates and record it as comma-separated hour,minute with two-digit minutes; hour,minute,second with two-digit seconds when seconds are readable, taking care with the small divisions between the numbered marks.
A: 2,52
